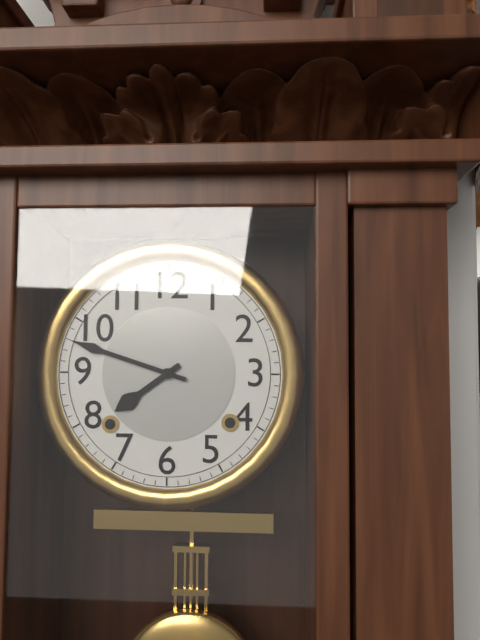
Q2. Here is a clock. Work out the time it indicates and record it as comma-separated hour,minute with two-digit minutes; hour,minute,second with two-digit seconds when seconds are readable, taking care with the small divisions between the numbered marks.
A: 7,48
